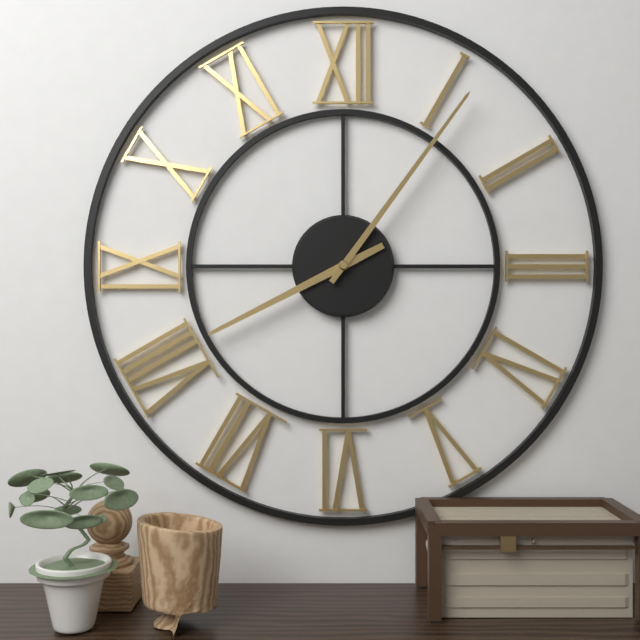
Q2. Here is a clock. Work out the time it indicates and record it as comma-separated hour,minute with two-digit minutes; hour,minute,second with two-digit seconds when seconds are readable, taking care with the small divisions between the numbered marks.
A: 8,06
